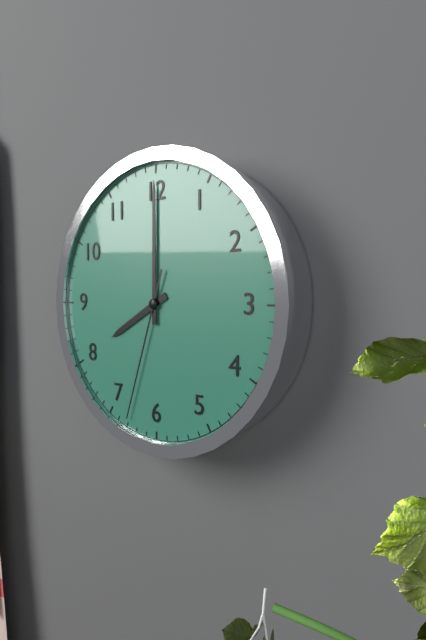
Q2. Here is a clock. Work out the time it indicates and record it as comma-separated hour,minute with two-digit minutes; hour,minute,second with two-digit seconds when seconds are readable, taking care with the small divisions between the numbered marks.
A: 8,00,33
